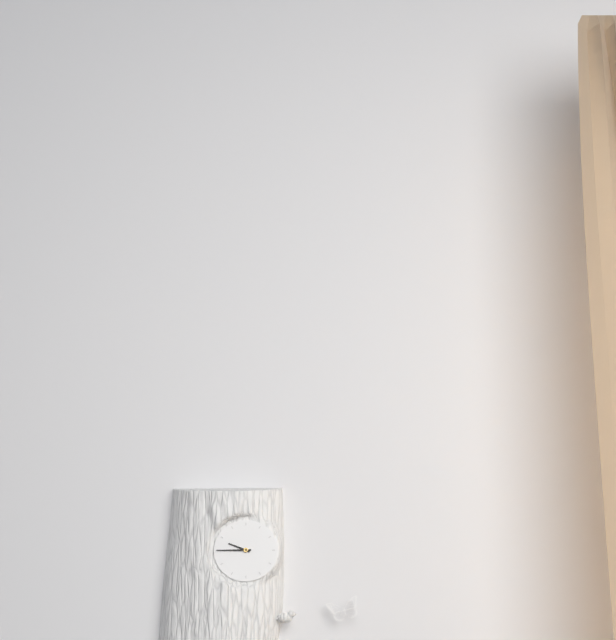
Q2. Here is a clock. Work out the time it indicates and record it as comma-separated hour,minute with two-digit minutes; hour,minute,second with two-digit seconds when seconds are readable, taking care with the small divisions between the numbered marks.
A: 9,45
